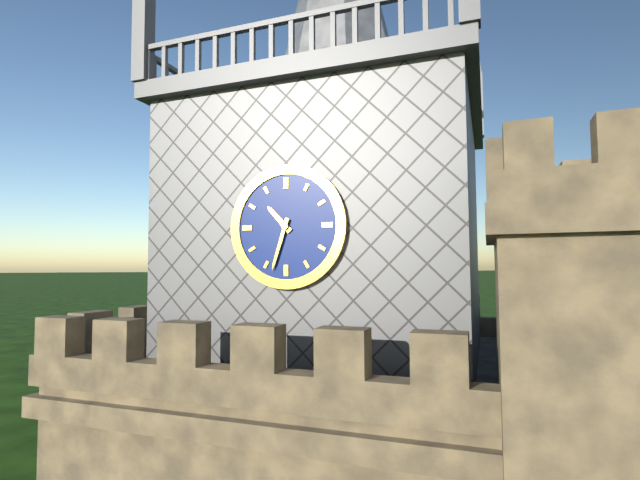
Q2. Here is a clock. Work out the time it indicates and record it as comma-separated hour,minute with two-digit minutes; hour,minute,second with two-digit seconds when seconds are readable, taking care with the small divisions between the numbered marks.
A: 10,33
